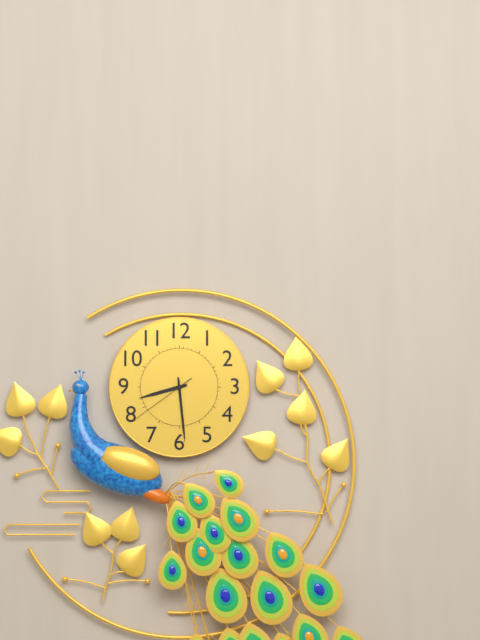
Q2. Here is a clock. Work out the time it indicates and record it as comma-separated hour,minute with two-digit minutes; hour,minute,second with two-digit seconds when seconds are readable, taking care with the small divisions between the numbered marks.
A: 8,29,39
